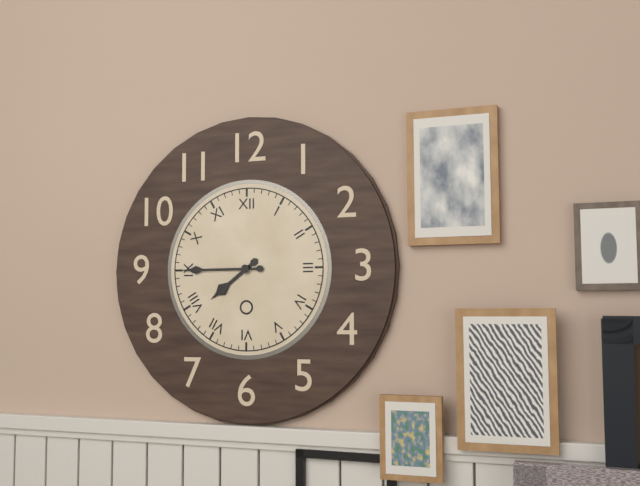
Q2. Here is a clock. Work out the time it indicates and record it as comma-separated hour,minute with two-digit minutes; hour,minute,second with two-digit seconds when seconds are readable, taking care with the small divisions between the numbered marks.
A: 7,45
